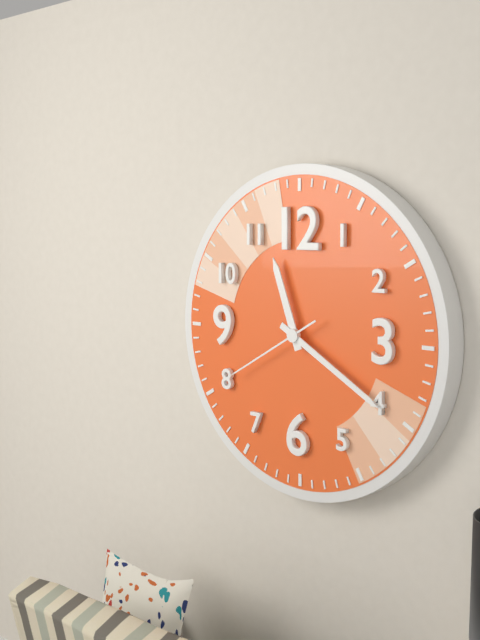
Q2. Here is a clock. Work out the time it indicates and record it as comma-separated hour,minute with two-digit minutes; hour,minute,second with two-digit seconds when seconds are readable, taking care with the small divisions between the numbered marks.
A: 11,20,40
